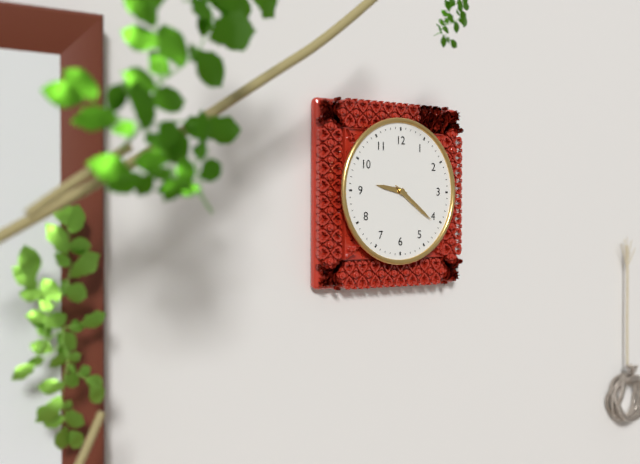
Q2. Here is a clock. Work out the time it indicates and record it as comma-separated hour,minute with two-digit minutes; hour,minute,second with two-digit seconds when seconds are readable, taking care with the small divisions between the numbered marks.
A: 9,21
